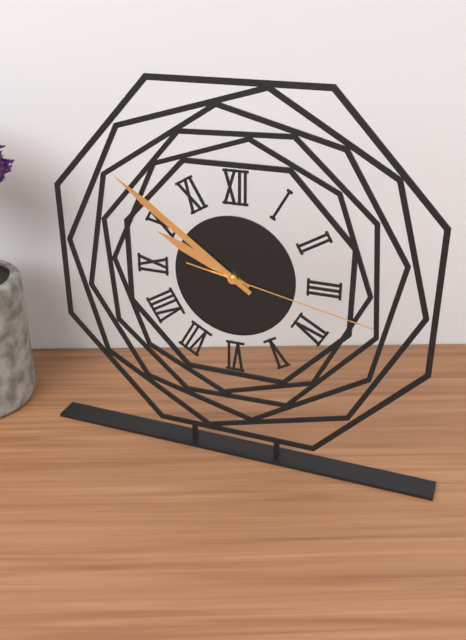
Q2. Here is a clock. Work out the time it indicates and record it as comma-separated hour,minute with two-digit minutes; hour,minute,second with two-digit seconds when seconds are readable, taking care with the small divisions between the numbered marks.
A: 9,51,17
